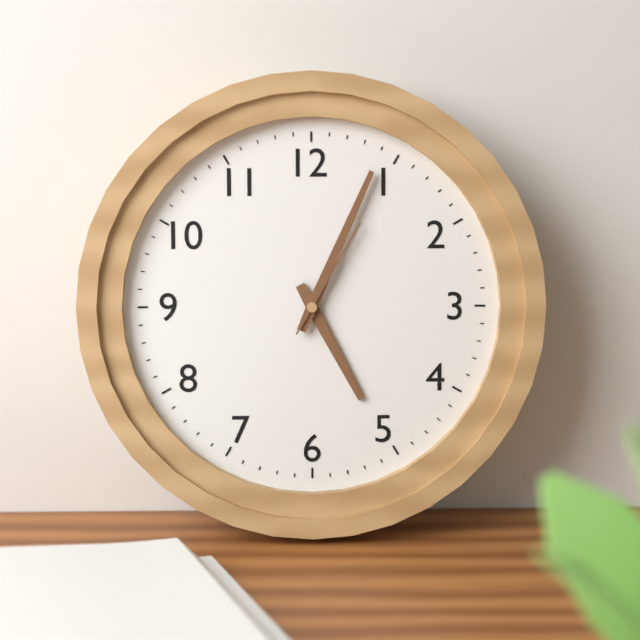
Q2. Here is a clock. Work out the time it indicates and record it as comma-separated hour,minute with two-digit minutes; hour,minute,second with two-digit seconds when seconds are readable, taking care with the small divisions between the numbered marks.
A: 5,04,05
